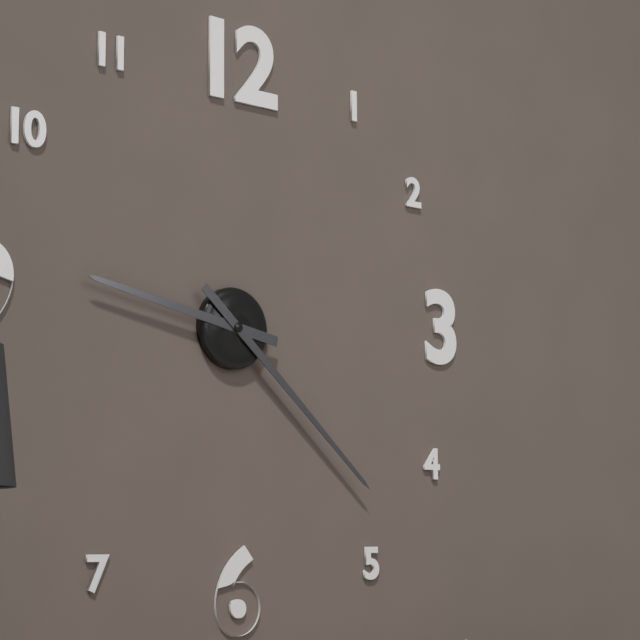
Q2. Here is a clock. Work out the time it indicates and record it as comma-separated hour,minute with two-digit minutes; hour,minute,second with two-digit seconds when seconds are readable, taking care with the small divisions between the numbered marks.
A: 9,22
